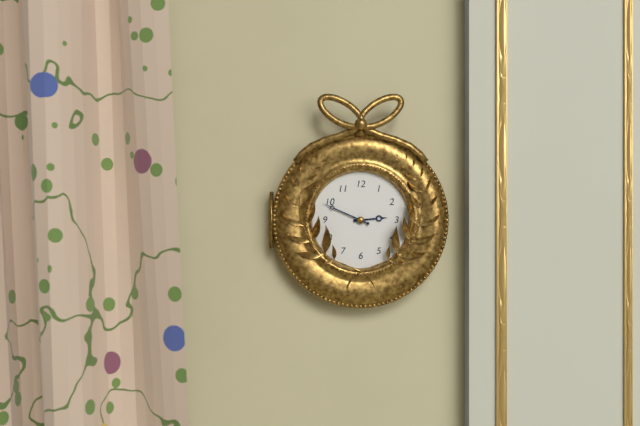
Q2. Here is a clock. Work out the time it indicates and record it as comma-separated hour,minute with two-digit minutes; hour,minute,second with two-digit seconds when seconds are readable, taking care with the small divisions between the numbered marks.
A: 2,49
